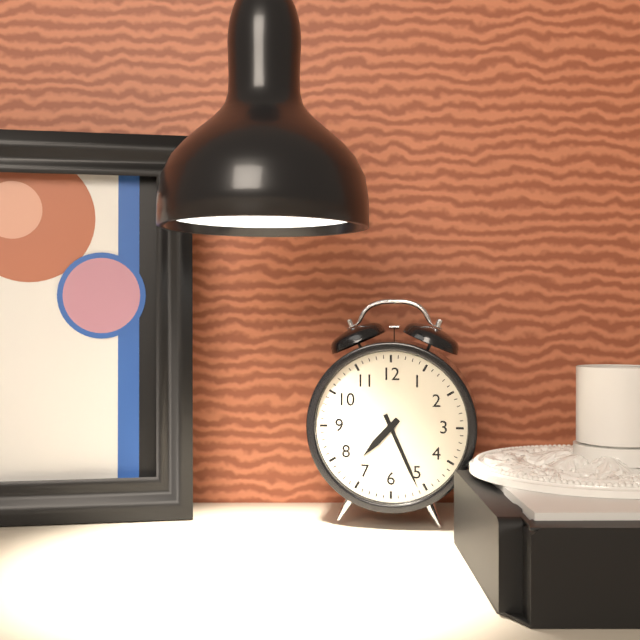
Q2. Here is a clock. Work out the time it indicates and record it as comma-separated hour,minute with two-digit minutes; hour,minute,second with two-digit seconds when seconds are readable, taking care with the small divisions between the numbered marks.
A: 7,26
